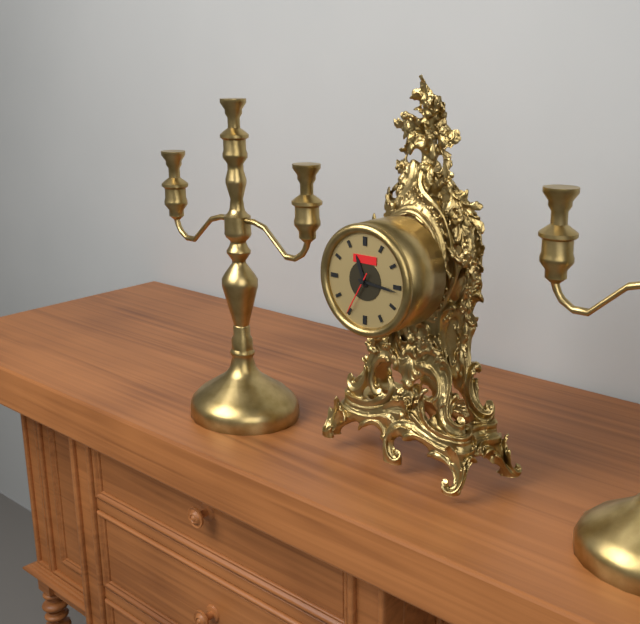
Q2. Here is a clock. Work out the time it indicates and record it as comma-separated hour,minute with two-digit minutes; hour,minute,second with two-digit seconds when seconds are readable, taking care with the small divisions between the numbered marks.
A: 11,16
